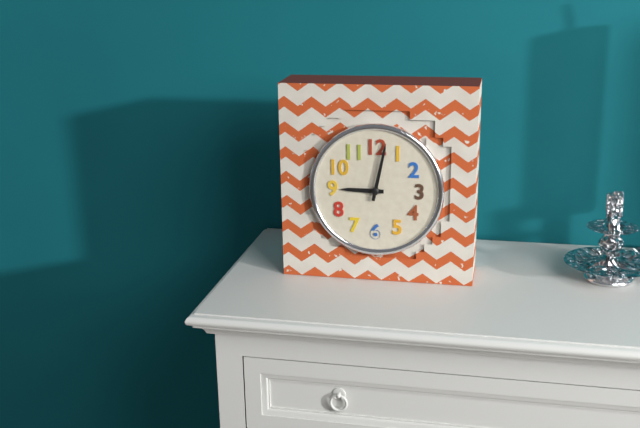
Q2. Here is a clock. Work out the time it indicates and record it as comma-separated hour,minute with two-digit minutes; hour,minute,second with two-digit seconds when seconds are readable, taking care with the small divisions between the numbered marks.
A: 9,02
